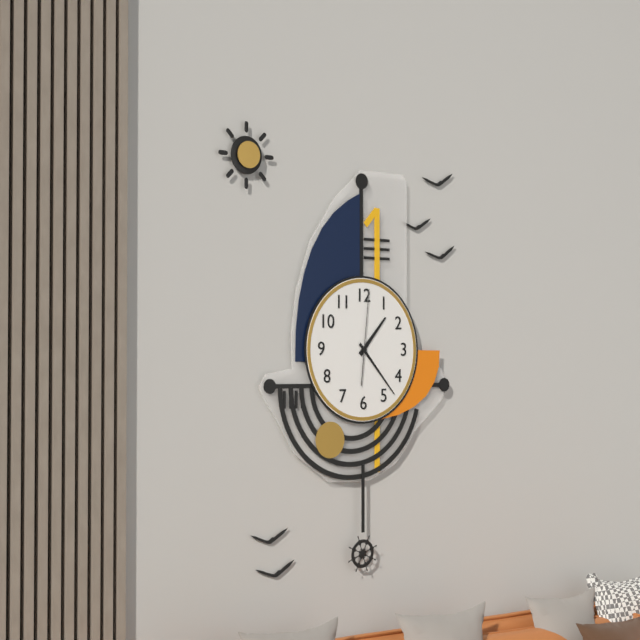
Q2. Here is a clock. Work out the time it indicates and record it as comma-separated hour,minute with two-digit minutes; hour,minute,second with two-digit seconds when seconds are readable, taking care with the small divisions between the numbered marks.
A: 1,23,01
